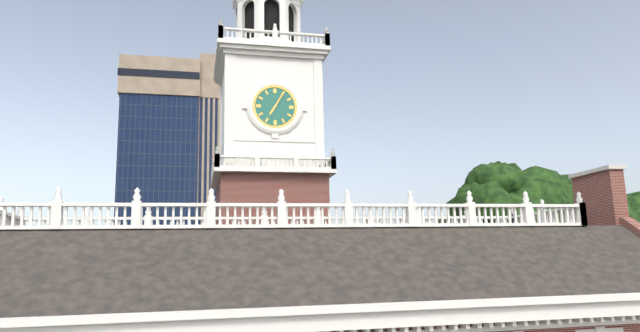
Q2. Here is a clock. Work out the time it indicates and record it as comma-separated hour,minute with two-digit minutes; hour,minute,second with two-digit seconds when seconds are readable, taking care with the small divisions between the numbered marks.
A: 7,05
